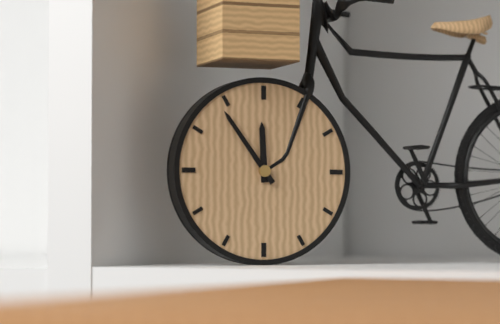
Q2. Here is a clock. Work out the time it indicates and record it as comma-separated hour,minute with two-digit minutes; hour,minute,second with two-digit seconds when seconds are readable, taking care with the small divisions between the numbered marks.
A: 11,54
